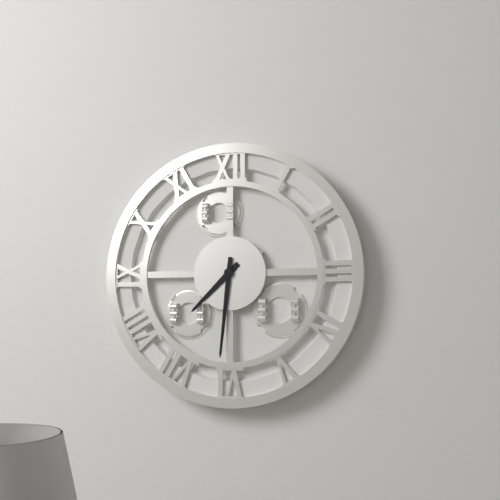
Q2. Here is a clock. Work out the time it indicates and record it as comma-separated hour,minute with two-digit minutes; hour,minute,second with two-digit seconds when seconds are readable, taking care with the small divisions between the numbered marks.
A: 7,31
